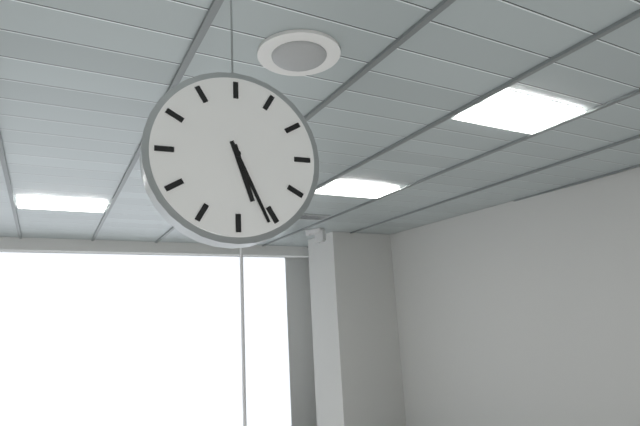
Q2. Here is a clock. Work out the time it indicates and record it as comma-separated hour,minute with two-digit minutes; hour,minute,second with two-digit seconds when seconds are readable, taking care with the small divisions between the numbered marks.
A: 5,26
